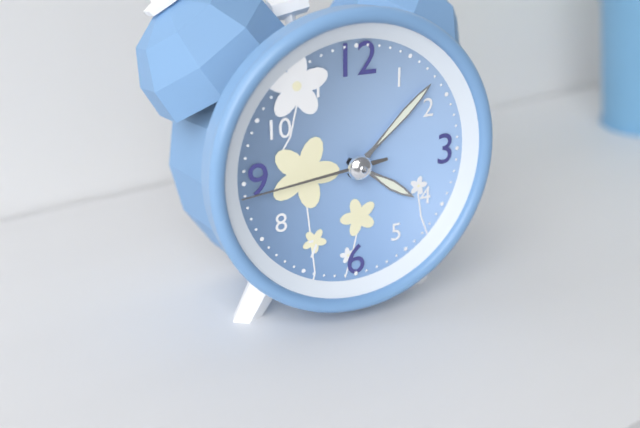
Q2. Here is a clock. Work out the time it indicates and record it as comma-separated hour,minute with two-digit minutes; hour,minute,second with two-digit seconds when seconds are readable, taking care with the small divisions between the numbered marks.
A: 4,08,44
